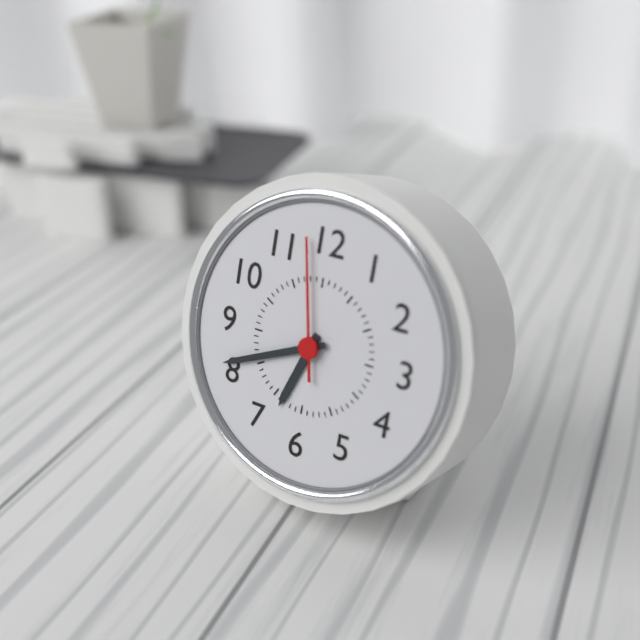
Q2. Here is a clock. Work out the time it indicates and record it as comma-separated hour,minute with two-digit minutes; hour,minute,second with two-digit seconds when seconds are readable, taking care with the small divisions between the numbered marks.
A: 6,41,58
